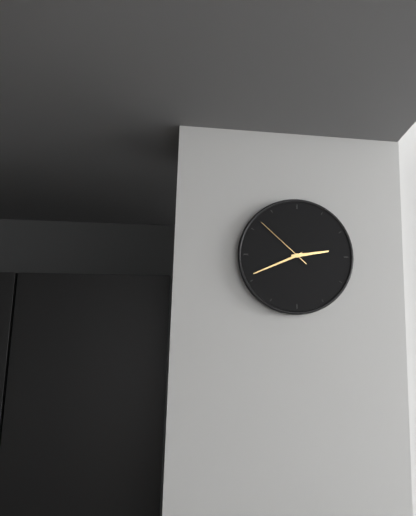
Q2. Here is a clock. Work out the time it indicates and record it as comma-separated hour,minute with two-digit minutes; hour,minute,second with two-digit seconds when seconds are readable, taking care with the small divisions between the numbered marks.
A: 2,41,52
